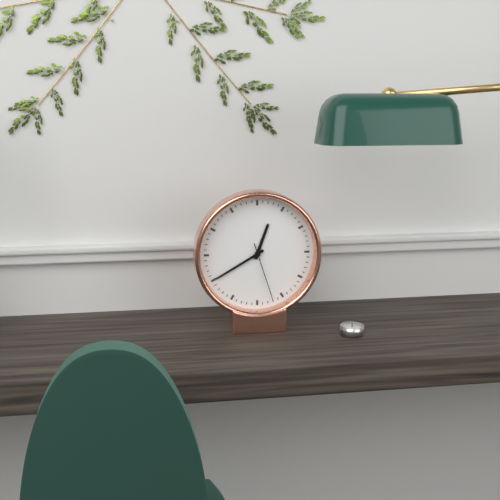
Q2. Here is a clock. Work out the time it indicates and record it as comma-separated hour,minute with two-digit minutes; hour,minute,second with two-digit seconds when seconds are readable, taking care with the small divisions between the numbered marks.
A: 12,40,27
